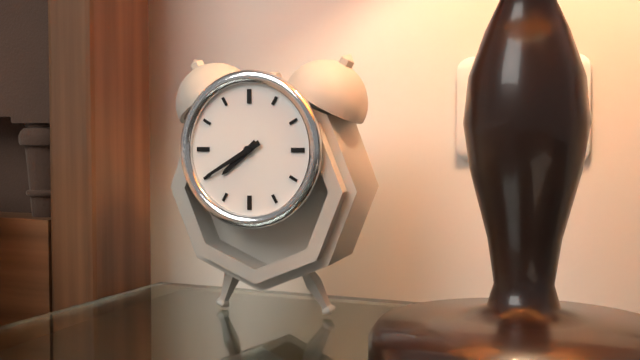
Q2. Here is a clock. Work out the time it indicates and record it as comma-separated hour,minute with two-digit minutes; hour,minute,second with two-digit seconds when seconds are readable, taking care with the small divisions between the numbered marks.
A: 7,40
